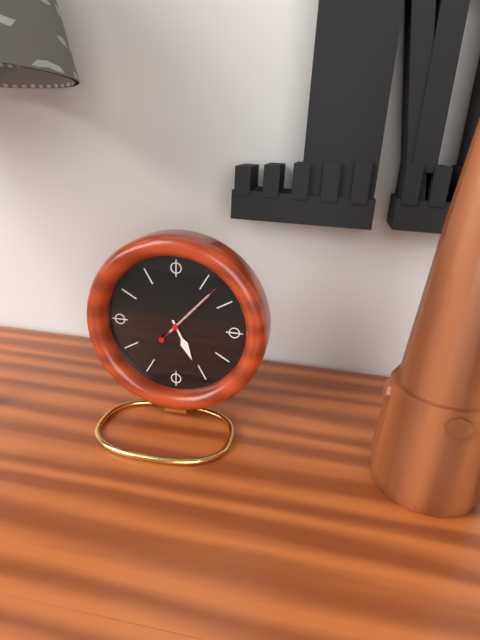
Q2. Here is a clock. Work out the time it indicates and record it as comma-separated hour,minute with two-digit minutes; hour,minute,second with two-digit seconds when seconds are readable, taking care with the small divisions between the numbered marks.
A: 5,07,07
